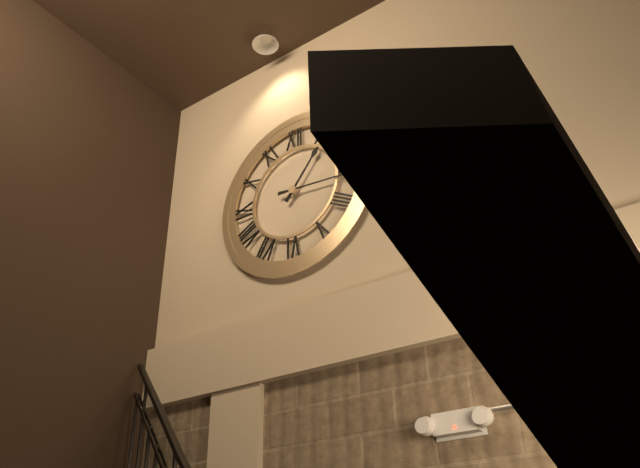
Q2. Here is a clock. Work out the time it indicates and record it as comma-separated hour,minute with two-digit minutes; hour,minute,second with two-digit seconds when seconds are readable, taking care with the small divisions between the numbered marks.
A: 1,16
